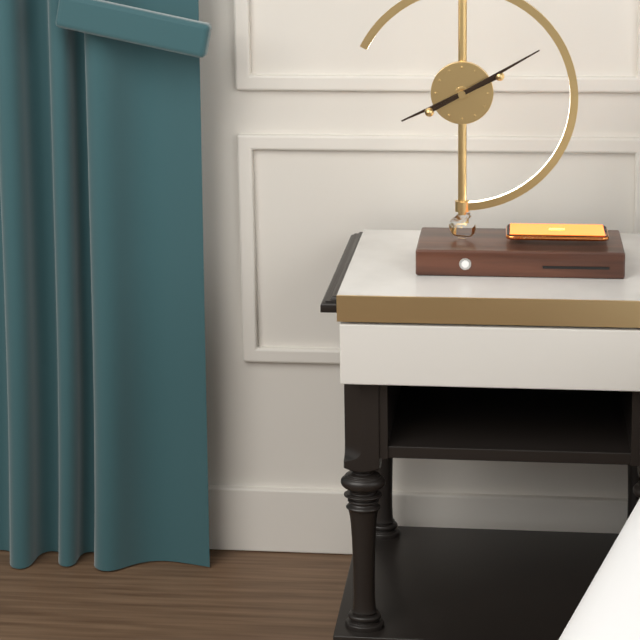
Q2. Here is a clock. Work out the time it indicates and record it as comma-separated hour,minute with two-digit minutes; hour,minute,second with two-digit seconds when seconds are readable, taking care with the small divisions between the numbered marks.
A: 8,10
